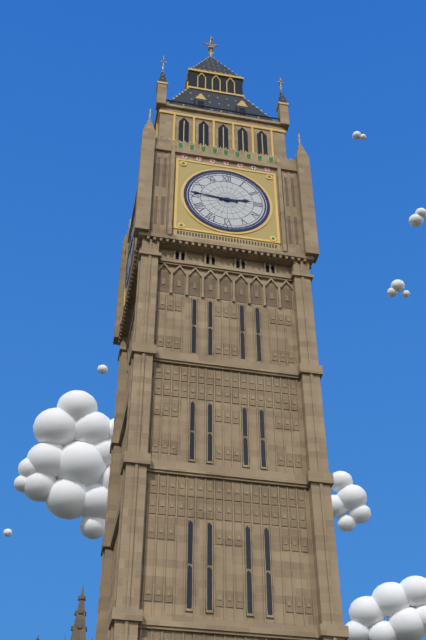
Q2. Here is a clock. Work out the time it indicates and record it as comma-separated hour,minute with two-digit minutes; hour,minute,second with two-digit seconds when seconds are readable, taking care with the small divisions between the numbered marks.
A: 2,46
